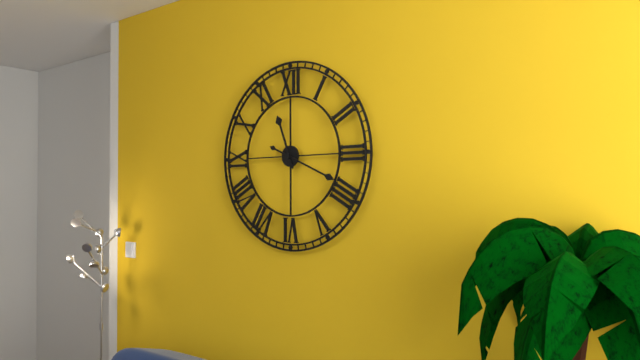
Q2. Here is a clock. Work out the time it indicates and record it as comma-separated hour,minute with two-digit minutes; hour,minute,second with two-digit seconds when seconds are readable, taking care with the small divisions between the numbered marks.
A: 11,19
